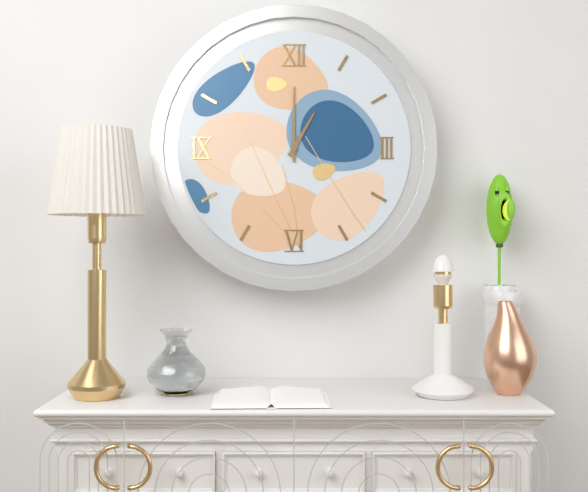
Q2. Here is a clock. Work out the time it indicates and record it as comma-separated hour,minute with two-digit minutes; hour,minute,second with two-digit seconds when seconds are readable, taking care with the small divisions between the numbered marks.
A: 1,00
